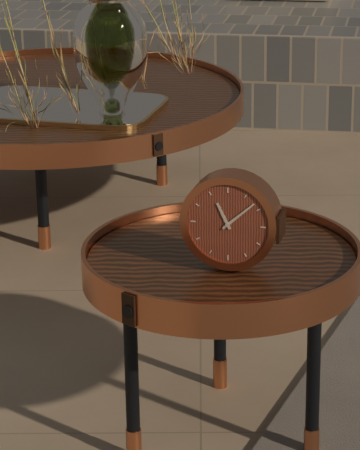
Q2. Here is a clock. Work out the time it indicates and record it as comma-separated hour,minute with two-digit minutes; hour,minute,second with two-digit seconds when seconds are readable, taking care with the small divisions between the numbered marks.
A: 11,08
